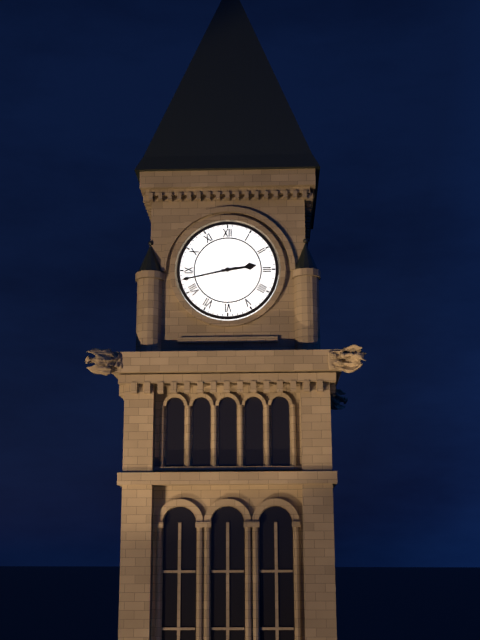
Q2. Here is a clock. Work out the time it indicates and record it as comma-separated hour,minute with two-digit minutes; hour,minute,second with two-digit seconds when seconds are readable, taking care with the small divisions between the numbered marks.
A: 2,43
